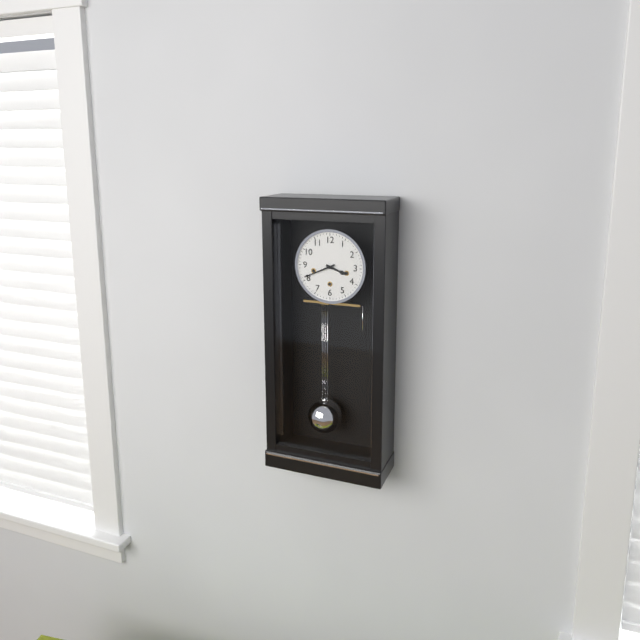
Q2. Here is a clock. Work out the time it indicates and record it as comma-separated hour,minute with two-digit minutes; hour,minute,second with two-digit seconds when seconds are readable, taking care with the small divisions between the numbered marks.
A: 3,41
